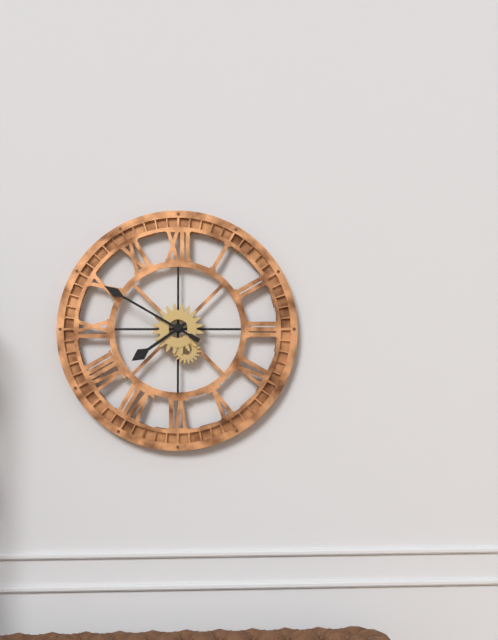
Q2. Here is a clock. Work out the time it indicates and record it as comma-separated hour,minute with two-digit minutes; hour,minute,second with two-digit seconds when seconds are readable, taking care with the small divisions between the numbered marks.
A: 7,50
